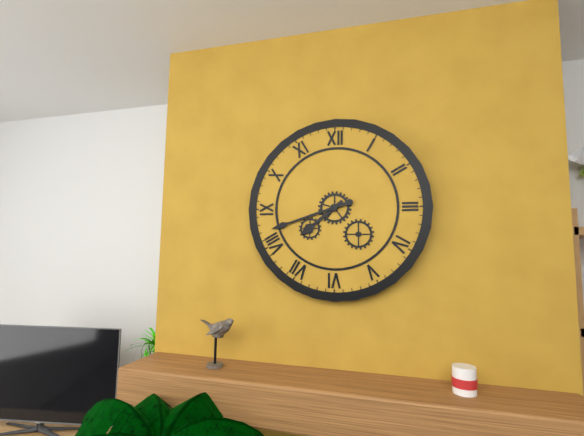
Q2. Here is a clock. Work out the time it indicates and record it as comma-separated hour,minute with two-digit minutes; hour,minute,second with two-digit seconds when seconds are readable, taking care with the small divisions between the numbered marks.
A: 7,42
